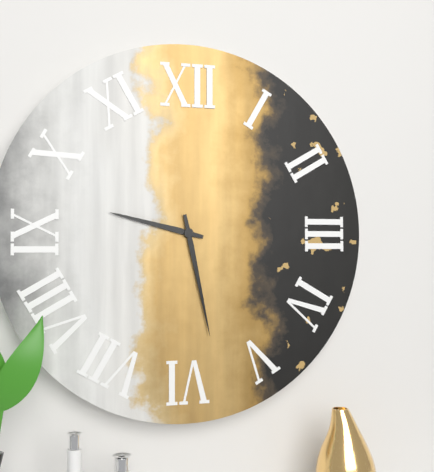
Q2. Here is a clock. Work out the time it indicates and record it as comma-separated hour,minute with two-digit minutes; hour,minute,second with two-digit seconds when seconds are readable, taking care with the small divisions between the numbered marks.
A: 9,28
